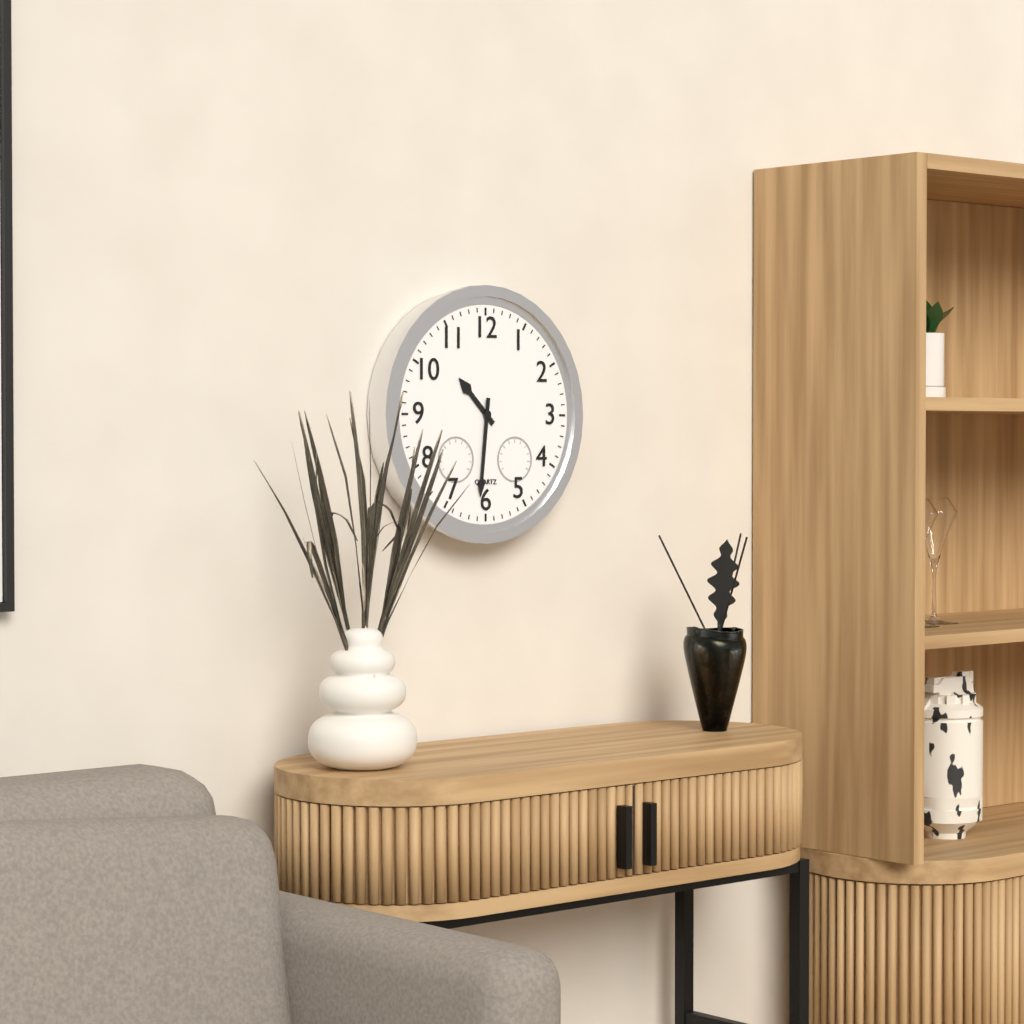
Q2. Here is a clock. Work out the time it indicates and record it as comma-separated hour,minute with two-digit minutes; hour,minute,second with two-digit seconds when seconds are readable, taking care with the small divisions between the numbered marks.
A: 10,31
